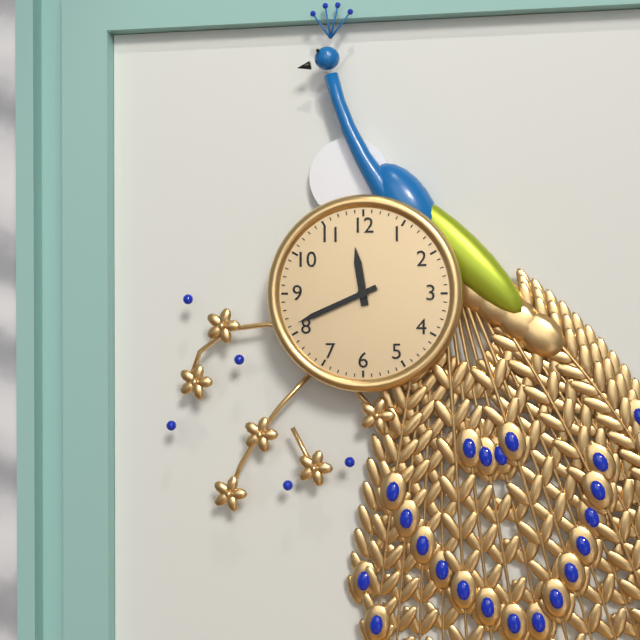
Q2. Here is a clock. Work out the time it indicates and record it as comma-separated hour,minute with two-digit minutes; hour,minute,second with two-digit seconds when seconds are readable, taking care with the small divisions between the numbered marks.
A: 11,41
